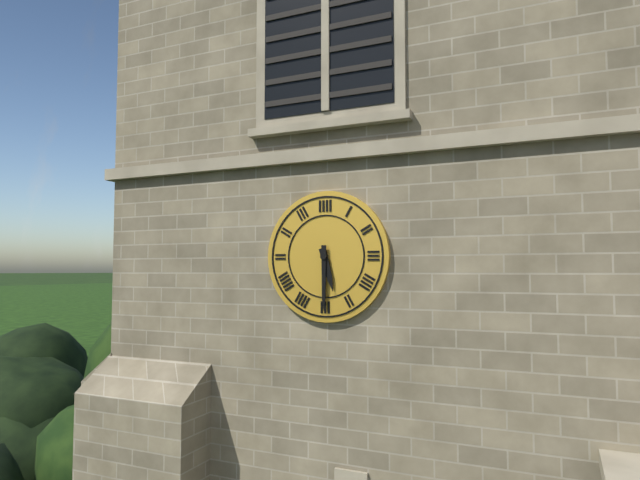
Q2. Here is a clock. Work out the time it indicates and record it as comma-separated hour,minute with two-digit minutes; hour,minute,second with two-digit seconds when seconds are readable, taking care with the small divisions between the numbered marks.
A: 5,30
